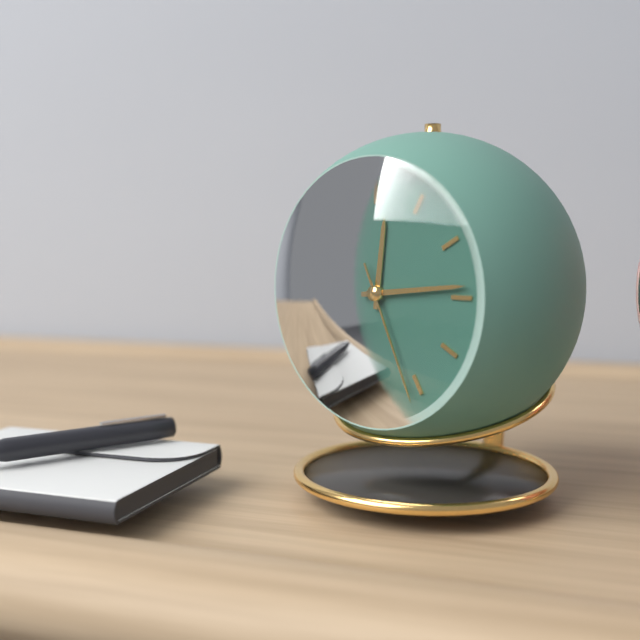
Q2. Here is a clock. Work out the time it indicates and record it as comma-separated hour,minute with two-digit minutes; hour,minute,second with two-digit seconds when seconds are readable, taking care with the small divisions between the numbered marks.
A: 12,14,26
